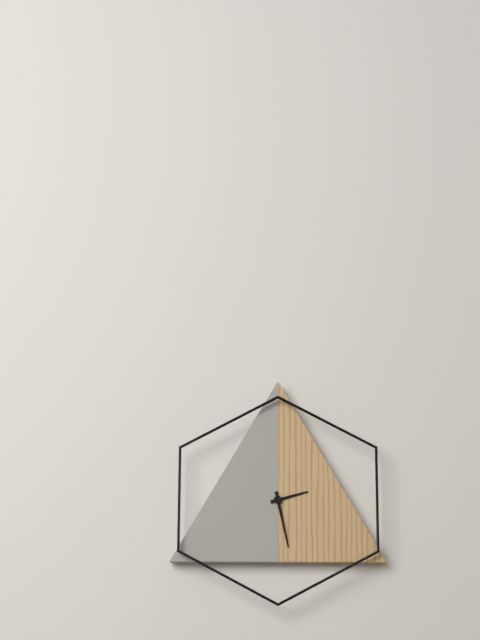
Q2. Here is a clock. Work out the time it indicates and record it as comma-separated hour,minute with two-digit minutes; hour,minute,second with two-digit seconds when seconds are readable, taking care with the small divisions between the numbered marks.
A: 2,28
